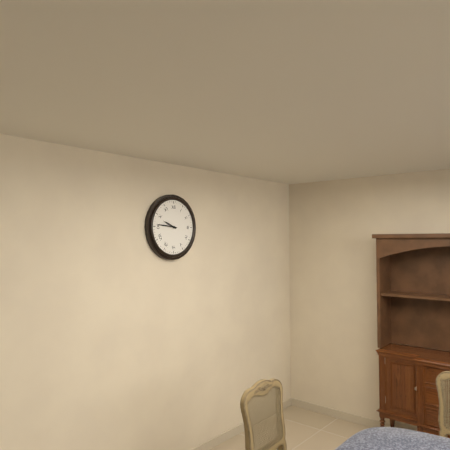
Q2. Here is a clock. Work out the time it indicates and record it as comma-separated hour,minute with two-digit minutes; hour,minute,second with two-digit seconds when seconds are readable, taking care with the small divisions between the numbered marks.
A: 9,46
